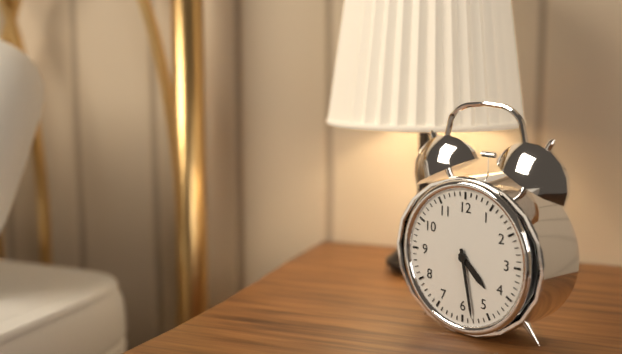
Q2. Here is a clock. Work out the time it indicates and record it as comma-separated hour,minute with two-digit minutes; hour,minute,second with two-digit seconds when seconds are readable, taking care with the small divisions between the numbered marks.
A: 4,28
